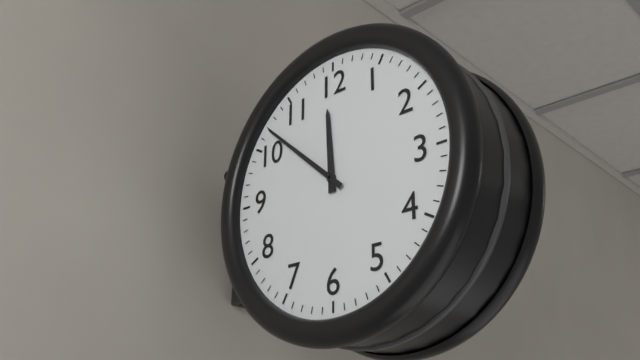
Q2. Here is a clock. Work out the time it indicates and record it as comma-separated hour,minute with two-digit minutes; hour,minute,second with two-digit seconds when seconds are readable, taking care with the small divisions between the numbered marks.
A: 11,52
